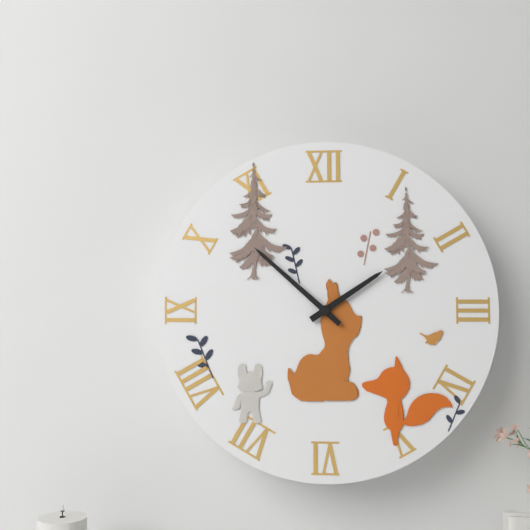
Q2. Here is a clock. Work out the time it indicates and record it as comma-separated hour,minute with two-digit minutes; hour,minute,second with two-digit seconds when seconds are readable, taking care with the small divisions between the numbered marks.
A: 1,52
